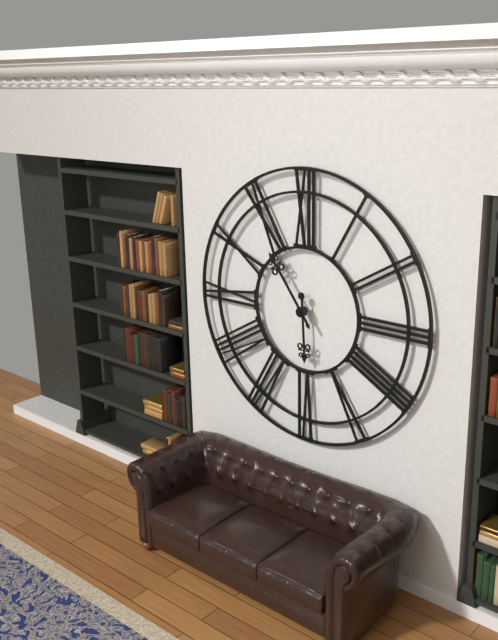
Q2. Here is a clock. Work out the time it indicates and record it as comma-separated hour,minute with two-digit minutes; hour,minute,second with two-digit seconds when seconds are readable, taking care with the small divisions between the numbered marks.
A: 5,54
